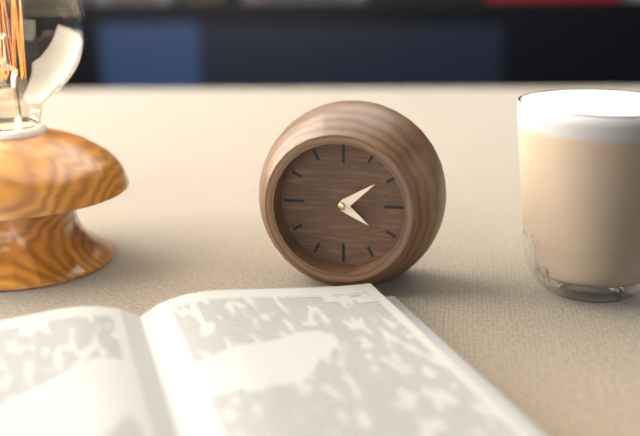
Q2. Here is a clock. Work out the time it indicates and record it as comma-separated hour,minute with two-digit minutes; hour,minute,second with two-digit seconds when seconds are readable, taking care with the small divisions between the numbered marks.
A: 4,09
